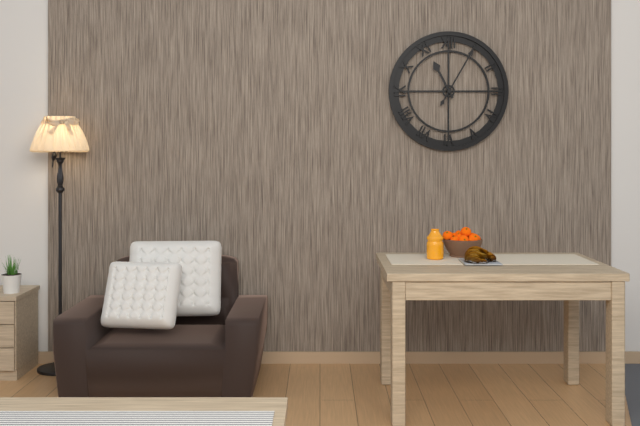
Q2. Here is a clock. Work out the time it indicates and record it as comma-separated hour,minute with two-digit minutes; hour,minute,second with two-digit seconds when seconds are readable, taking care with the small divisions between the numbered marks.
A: 11,05
